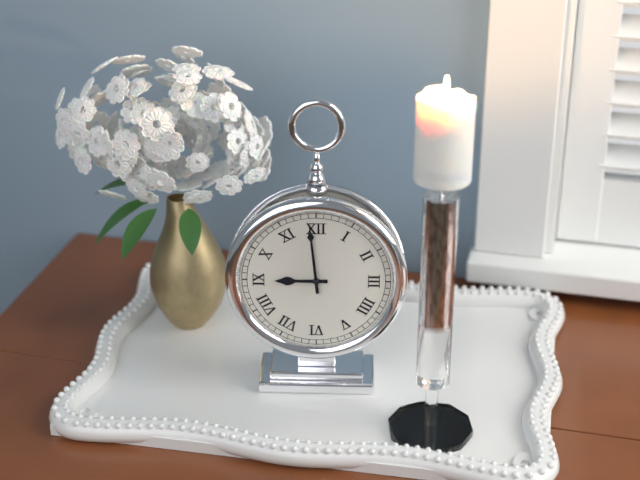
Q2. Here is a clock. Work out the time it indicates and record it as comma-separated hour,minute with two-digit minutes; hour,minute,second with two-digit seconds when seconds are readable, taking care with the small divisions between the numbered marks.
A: 8,59
